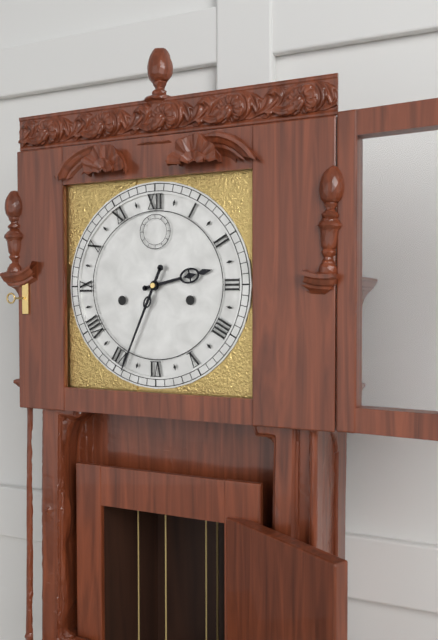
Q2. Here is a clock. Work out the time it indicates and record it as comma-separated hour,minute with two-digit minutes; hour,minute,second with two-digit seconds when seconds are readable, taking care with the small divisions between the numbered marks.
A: 2,34
